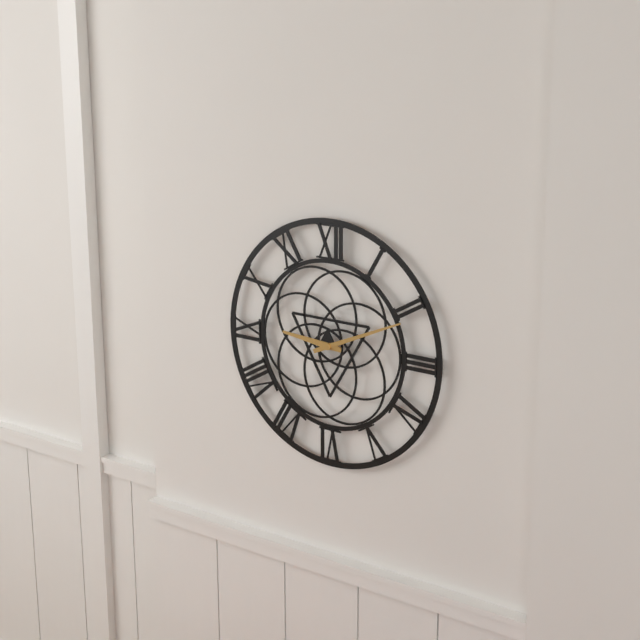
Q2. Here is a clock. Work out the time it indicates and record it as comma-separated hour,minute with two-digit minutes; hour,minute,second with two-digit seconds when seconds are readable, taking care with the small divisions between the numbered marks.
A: 9,11
